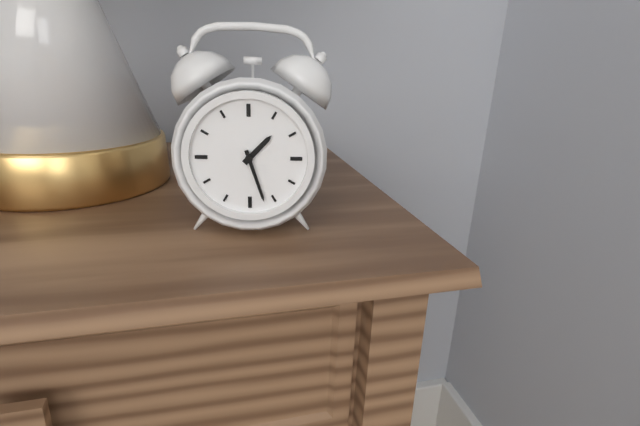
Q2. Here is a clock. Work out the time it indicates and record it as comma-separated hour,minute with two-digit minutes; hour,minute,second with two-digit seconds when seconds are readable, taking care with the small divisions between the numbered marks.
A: 1,27
